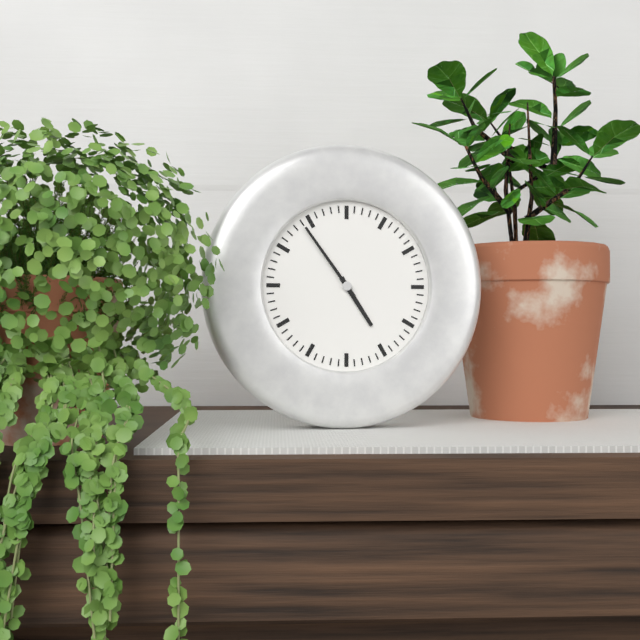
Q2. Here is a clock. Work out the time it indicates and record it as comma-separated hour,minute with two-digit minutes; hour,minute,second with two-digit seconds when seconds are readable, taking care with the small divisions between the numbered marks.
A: 4,54
